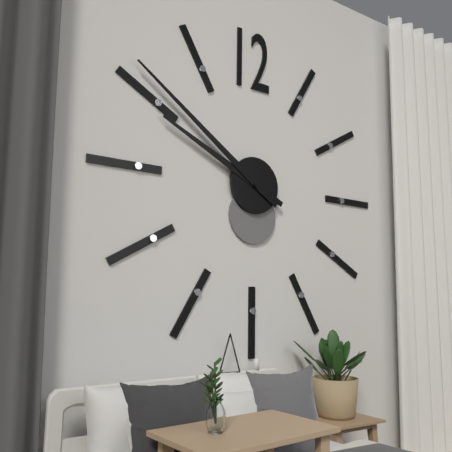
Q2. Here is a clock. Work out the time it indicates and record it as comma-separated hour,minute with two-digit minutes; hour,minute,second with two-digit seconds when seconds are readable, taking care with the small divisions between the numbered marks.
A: 9,51
